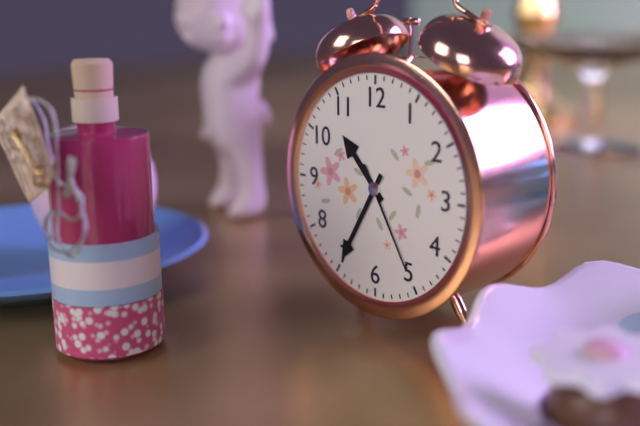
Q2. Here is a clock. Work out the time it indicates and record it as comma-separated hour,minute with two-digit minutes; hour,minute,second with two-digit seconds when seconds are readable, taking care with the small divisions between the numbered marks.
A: 10,35,25
